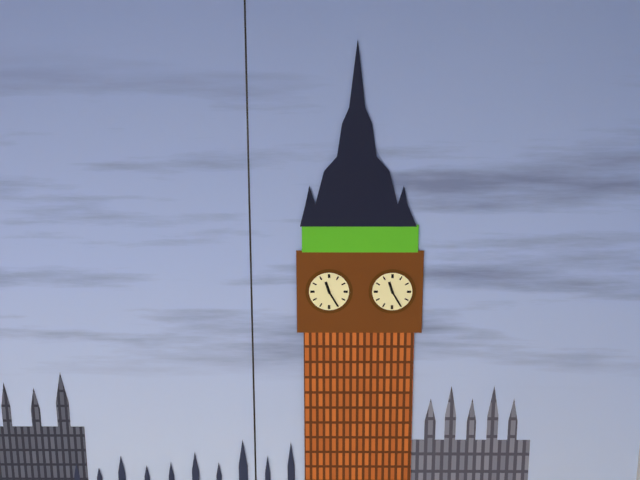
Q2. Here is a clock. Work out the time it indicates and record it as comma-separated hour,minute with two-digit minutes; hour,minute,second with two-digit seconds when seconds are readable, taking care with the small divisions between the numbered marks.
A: 11,25
